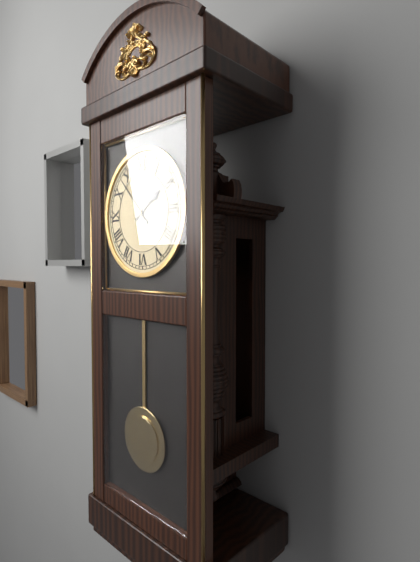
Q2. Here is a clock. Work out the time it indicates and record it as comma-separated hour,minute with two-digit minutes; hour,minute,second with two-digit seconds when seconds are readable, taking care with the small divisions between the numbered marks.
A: 1,53
